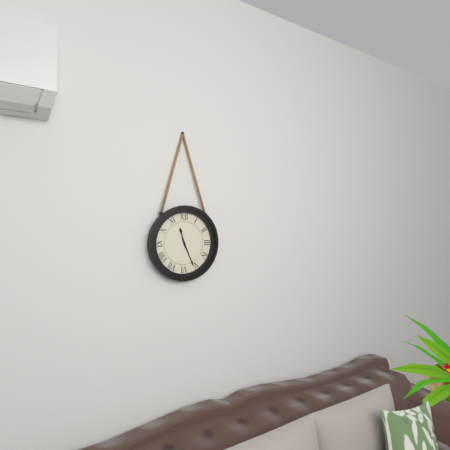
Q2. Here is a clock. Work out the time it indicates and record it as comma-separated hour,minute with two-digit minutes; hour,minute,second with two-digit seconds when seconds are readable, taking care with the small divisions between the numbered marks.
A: 11,26
